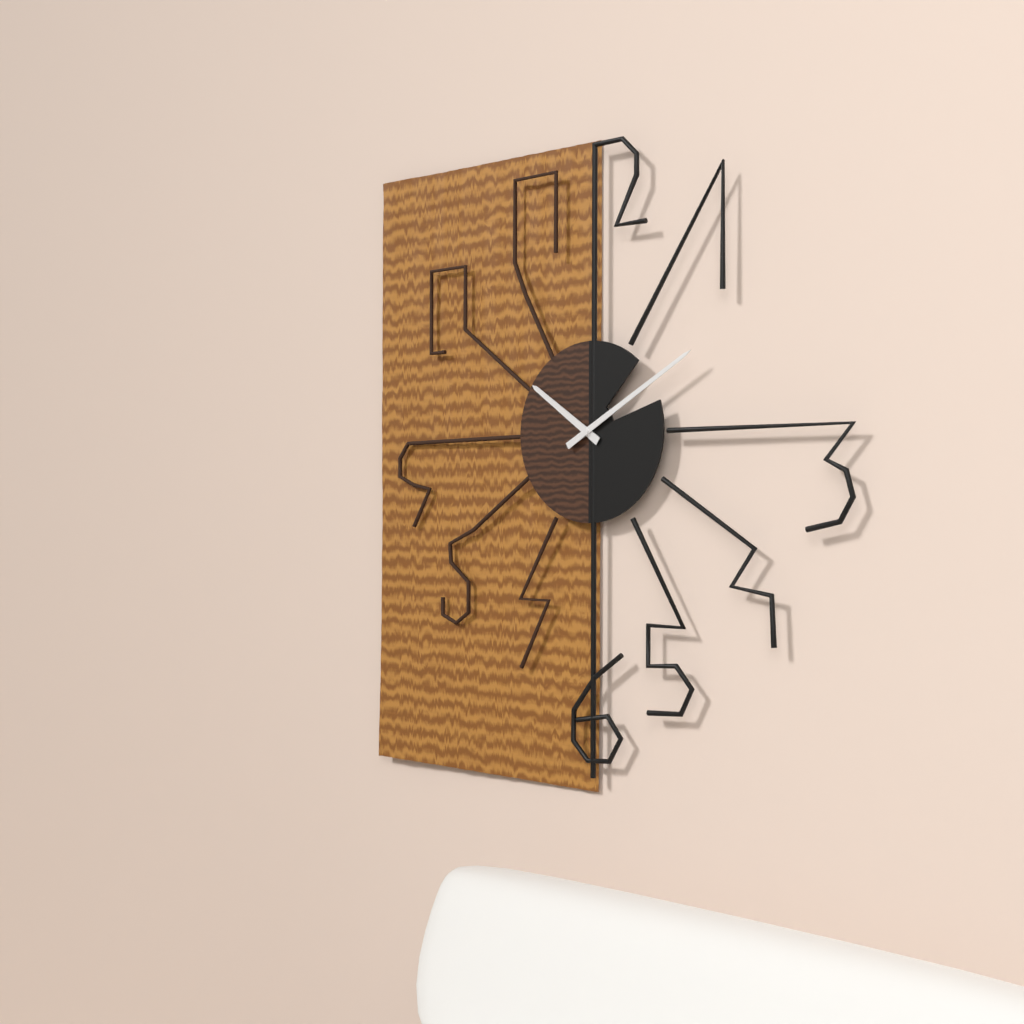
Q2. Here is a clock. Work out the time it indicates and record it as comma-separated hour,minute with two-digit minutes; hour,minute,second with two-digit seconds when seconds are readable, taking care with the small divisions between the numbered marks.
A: 10,10
